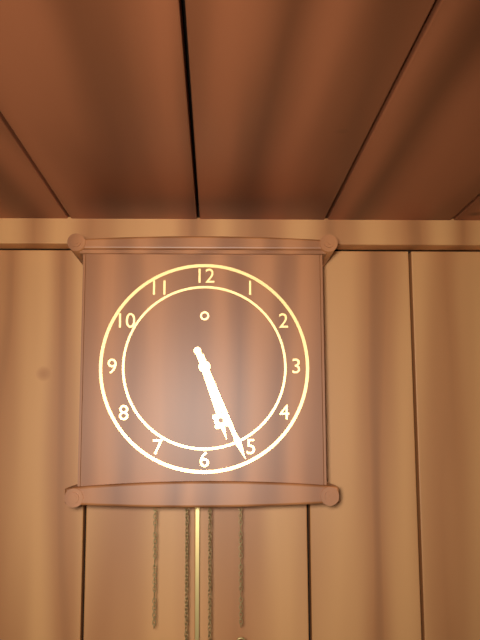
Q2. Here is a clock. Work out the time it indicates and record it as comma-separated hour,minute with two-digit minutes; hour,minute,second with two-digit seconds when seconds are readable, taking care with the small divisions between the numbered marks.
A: 5,26
